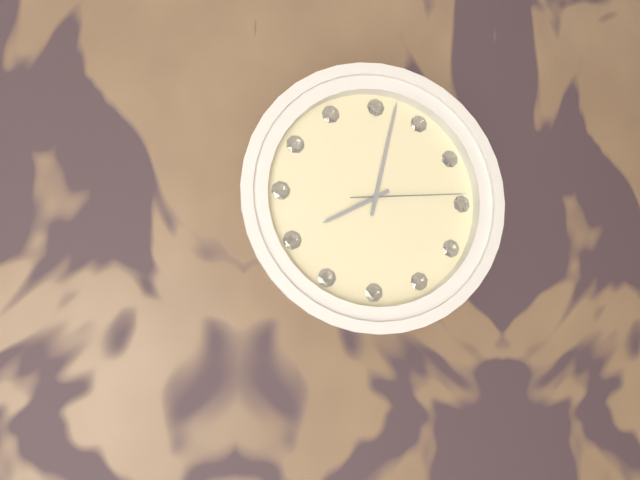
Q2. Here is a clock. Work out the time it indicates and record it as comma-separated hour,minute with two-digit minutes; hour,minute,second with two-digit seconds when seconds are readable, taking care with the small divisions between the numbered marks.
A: 8,02,14
